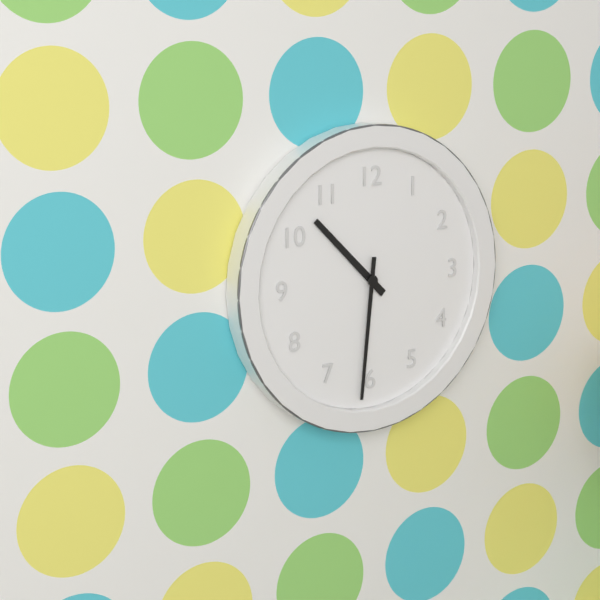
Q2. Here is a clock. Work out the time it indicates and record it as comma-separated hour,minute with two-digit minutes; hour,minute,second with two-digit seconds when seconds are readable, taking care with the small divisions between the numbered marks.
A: 10,31
